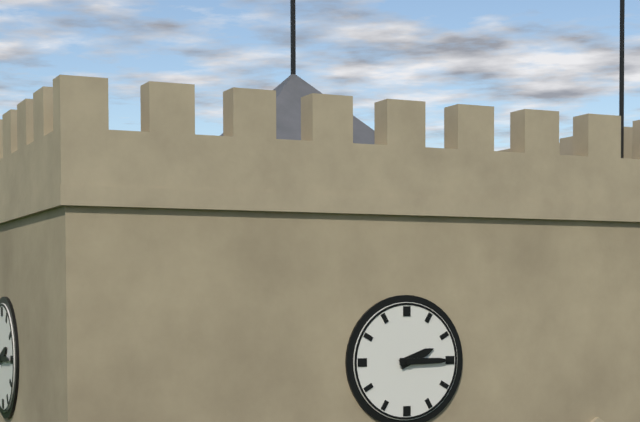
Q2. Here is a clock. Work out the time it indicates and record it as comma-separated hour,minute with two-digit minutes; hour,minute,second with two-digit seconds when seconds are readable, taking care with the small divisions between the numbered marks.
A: 2,15
